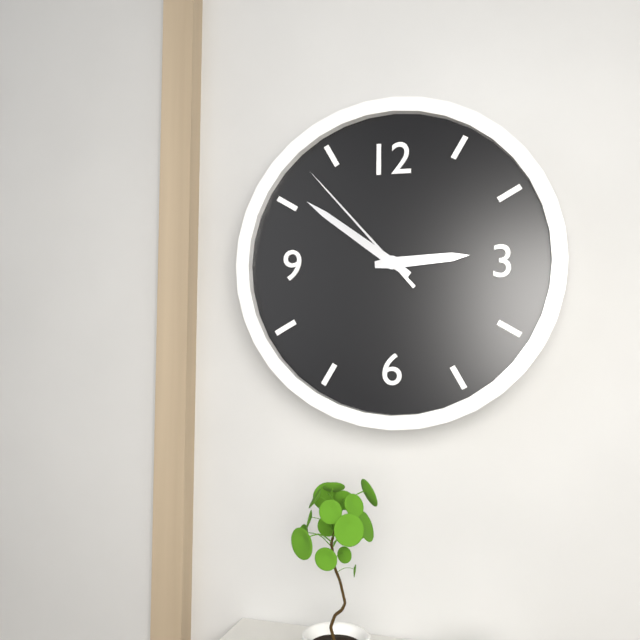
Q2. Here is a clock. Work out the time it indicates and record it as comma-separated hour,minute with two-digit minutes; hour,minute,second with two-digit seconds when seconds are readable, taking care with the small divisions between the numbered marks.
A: 2,51,53
